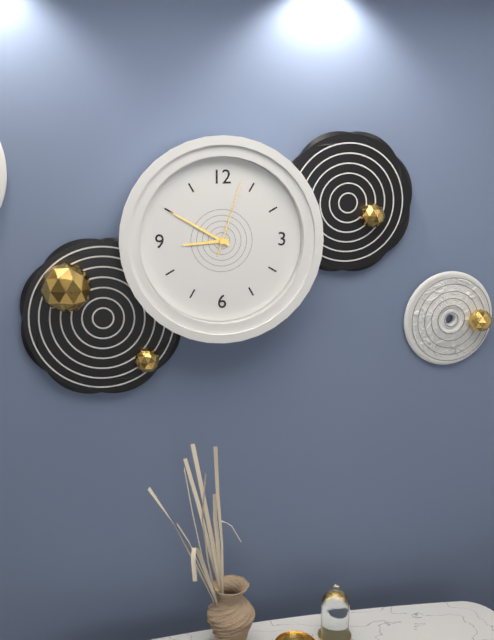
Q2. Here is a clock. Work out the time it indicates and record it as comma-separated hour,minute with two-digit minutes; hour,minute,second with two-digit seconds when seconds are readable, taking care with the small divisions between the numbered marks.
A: 8,50,03
